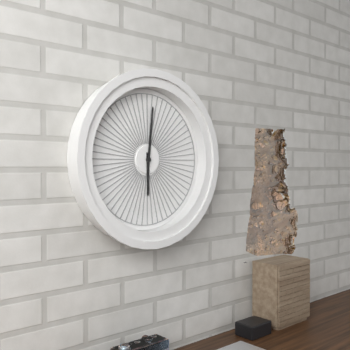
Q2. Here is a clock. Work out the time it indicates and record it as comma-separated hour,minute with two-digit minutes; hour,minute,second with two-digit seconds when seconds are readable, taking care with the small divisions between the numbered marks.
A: 6,01
